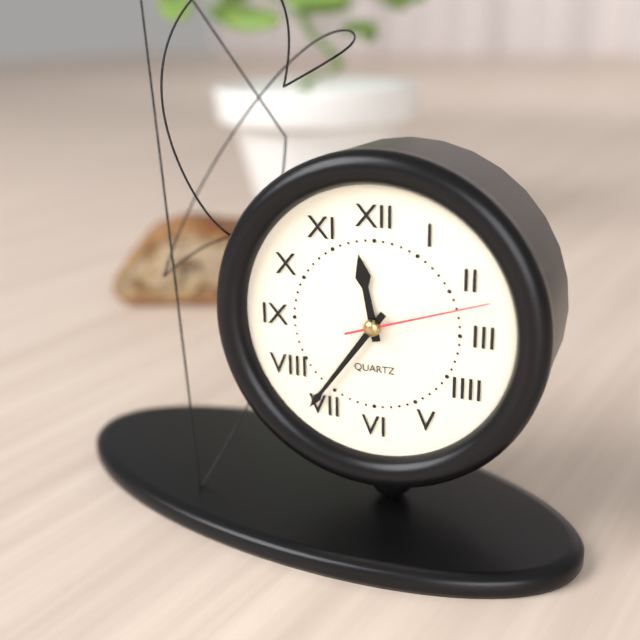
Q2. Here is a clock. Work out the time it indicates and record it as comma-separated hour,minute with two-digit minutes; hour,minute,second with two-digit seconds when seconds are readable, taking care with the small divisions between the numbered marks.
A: 11,36,12
